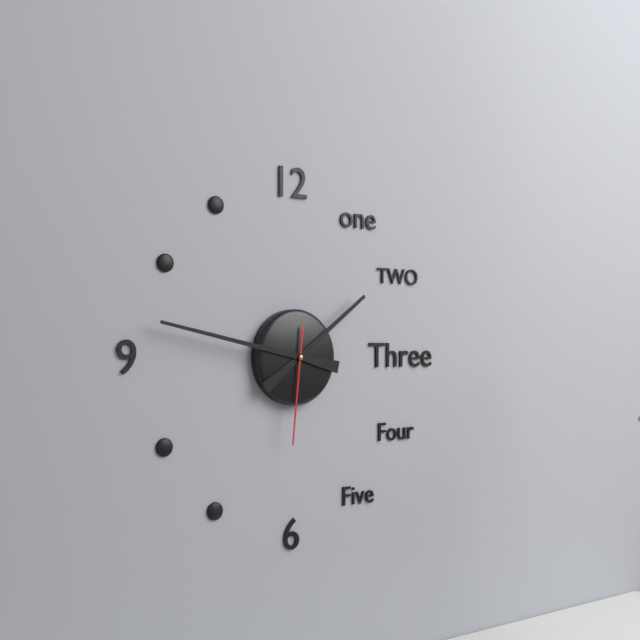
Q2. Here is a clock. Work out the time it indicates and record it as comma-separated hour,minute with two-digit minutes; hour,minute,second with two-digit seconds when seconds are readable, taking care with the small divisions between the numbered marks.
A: 1,47,31
